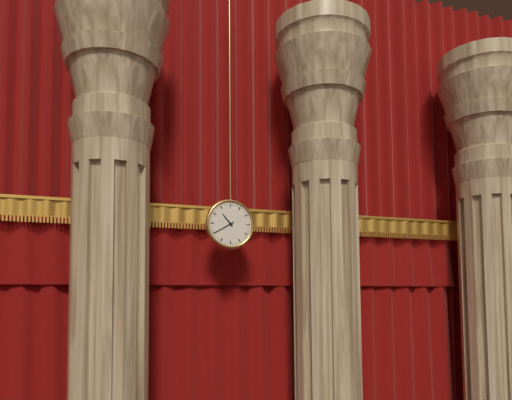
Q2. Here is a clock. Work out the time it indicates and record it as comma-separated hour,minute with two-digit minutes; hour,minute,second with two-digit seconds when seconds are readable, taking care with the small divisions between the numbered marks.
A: 10,40
